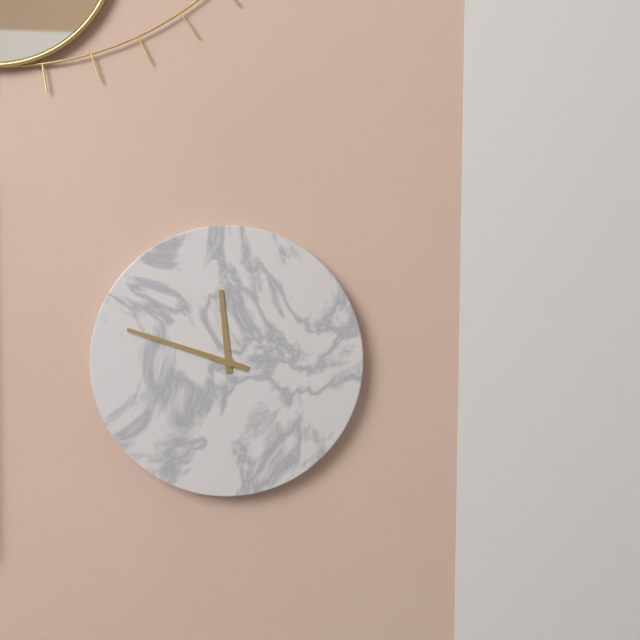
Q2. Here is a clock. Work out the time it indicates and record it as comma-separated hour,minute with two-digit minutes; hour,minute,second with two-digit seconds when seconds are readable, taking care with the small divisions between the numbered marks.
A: 11,48
